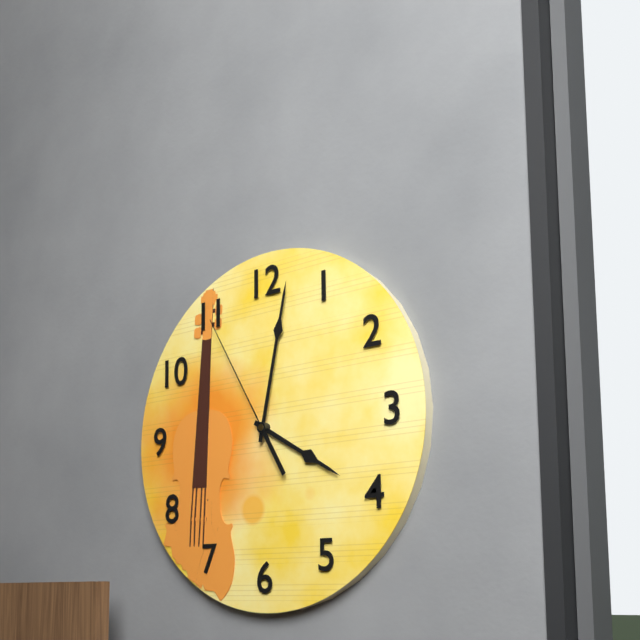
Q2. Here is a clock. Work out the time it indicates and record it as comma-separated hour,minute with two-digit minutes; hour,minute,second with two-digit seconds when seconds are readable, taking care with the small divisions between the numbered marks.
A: 4,02,55
